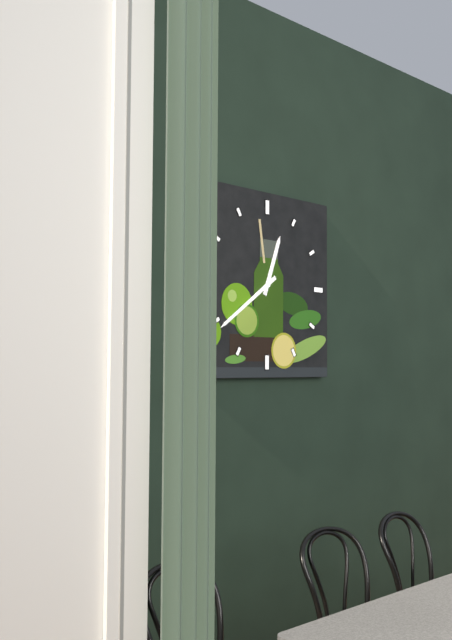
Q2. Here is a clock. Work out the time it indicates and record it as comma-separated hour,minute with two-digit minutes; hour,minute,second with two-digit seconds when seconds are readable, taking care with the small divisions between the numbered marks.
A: 12,39
